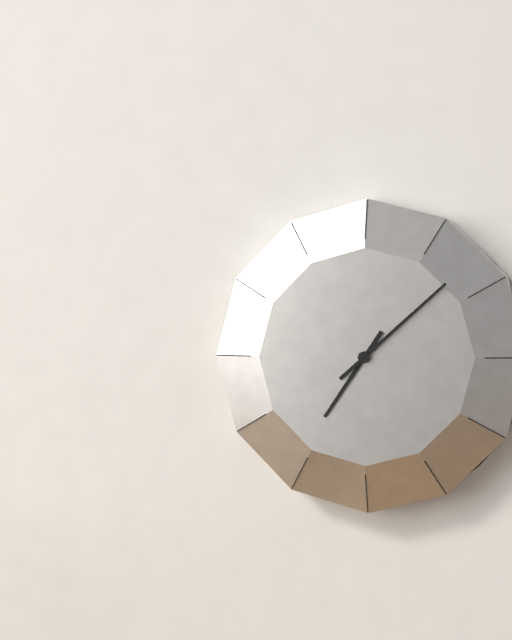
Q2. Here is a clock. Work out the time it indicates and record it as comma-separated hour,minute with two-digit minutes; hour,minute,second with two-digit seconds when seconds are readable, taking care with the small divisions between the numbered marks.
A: 7,08
